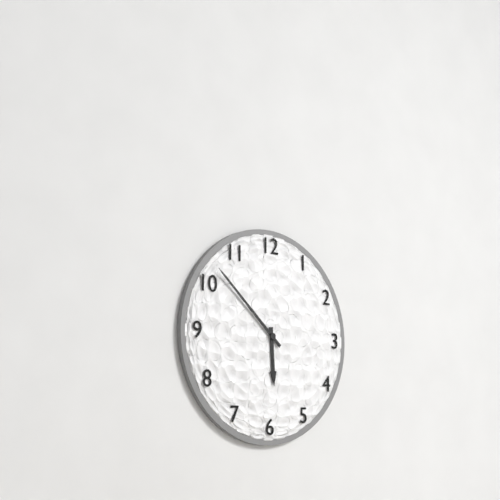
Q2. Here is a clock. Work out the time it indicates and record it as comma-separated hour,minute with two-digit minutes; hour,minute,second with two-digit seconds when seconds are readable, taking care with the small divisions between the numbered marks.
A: 5,52
